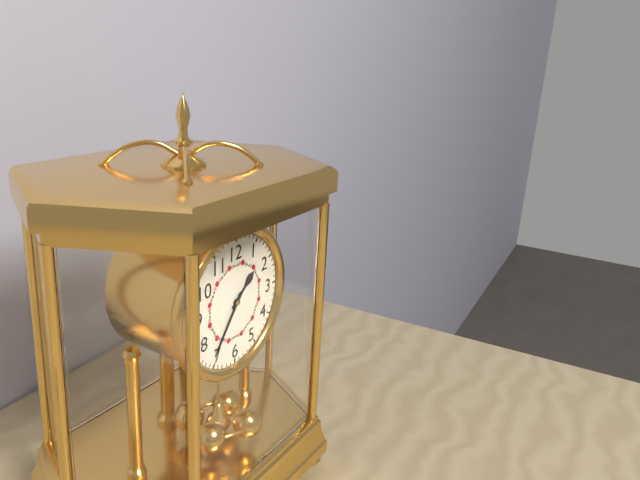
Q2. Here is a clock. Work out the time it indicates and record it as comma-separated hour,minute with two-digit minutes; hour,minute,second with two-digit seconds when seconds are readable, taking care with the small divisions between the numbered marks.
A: 1,36
